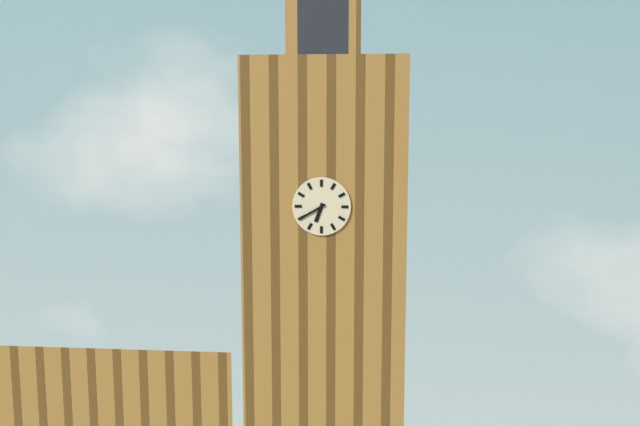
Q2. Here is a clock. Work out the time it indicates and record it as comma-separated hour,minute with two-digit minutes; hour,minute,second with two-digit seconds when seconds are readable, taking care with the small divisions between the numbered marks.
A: 6,40
